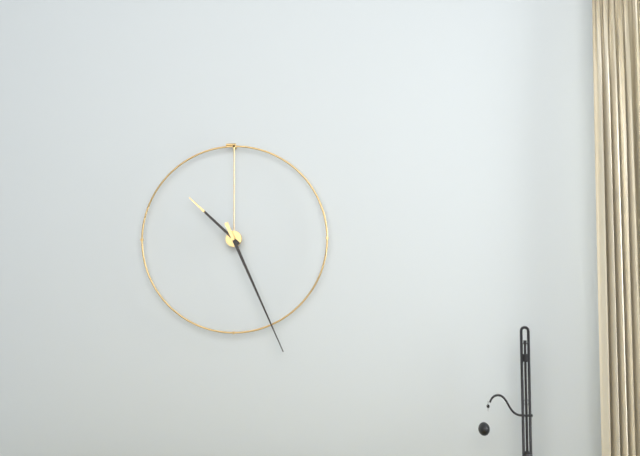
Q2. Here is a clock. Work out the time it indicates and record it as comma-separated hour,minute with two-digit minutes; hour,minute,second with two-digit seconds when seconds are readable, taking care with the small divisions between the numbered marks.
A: 10,26
